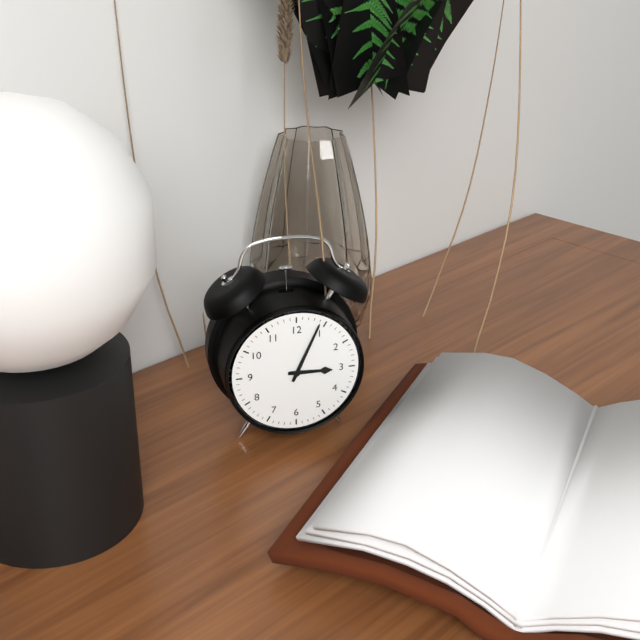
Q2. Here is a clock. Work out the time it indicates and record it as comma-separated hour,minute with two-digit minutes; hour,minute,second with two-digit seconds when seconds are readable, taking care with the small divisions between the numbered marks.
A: 3,04
